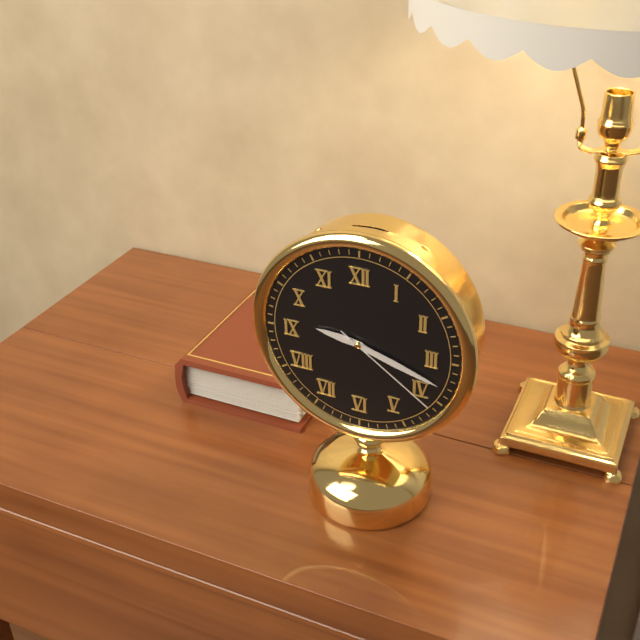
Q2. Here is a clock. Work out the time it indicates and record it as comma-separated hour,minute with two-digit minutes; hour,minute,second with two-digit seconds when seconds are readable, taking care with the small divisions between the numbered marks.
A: 9,18,21
